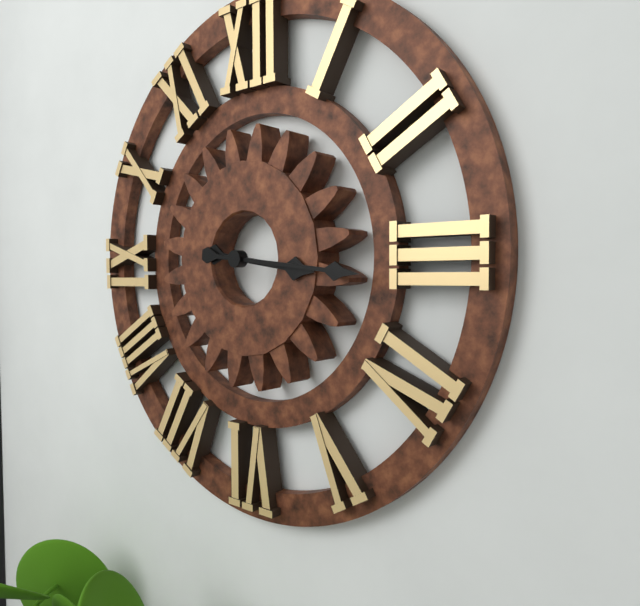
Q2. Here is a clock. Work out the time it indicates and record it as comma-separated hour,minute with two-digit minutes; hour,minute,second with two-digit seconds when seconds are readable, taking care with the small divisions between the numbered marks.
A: 3,16
